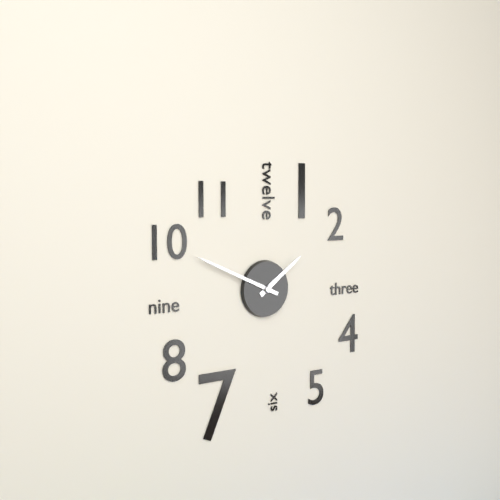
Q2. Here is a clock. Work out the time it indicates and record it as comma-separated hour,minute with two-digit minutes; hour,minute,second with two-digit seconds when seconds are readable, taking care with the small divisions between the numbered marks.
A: 1,49
